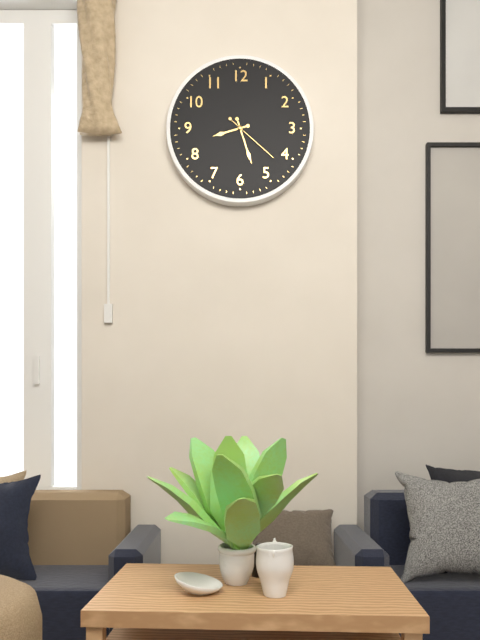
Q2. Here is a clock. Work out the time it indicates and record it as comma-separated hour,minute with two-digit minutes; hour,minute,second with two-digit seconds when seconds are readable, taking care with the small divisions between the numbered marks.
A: 8,27,22
